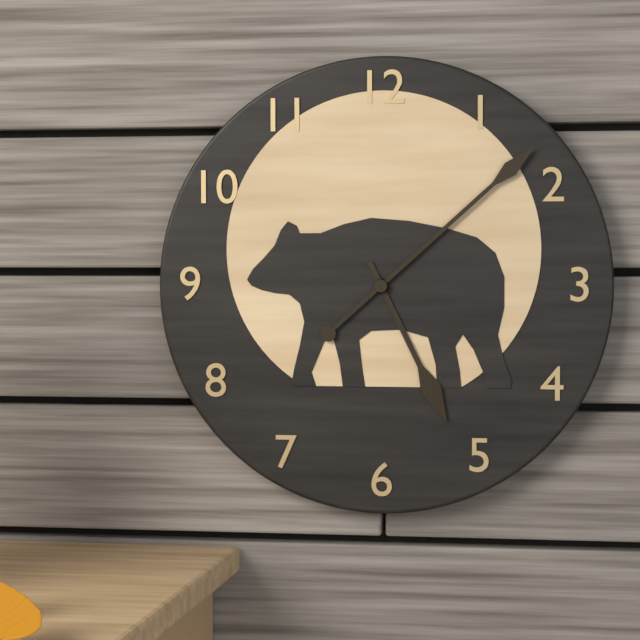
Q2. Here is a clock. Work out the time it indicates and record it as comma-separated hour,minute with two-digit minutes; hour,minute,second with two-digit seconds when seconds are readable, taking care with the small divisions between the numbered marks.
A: 5,08
